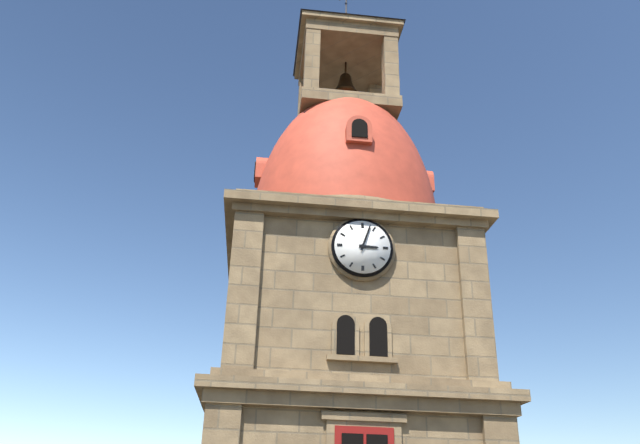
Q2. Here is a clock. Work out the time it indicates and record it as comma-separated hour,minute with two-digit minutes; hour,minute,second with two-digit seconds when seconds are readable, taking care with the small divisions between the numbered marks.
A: 3,03
